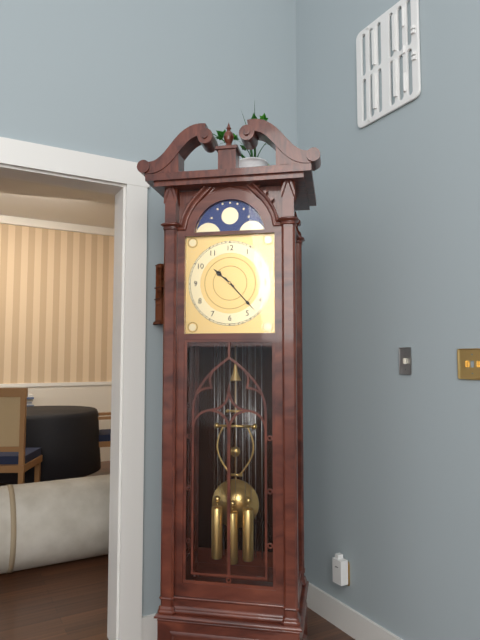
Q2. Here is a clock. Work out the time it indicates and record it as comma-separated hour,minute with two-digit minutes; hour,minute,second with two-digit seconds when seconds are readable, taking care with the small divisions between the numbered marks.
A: 10,23
